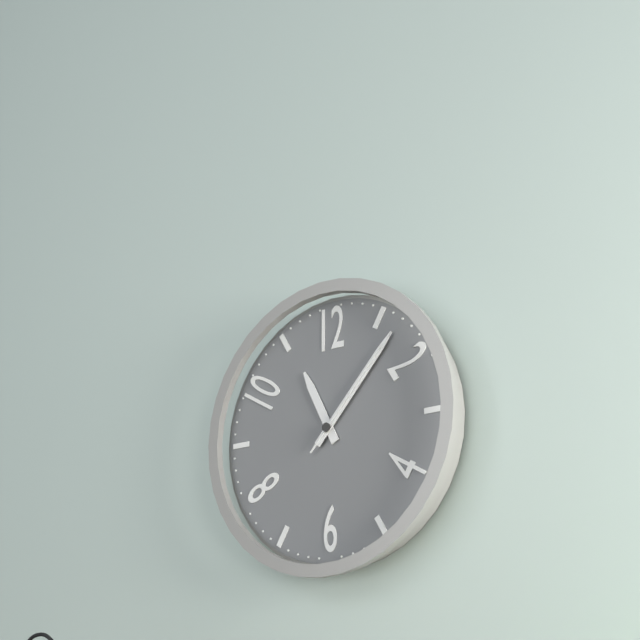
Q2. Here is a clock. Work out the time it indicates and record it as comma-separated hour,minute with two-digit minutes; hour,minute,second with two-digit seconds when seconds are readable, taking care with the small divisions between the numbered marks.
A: 11,07,07
